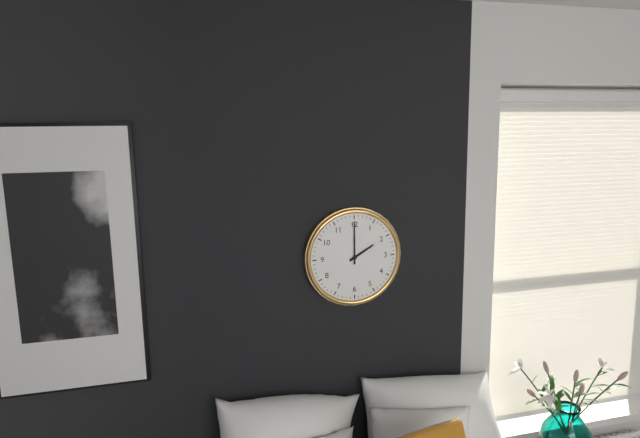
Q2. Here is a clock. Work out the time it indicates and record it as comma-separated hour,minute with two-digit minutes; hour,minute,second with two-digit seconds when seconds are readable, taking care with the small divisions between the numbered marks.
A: 2,00
